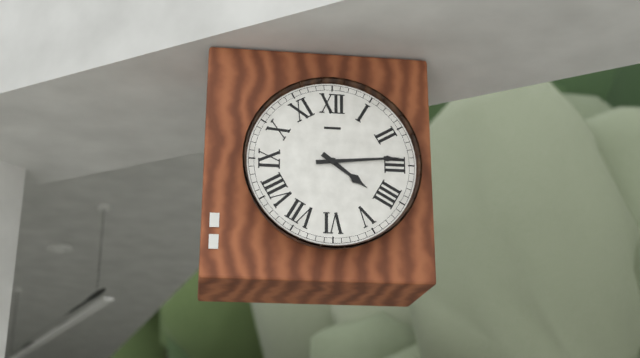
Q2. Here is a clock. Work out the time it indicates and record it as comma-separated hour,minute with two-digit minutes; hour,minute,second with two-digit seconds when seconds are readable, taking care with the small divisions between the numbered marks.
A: 4,14
